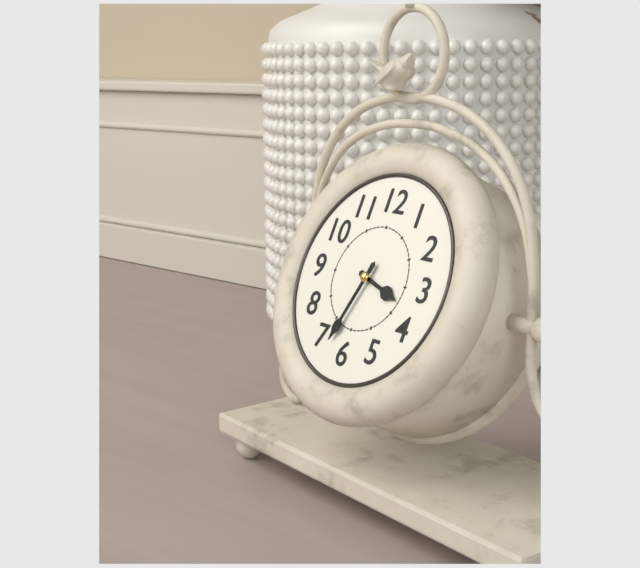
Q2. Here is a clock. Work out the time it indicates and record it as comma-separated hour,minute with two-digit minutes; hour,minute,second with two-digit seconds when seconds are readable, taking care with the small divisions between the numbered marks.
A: 3,33
